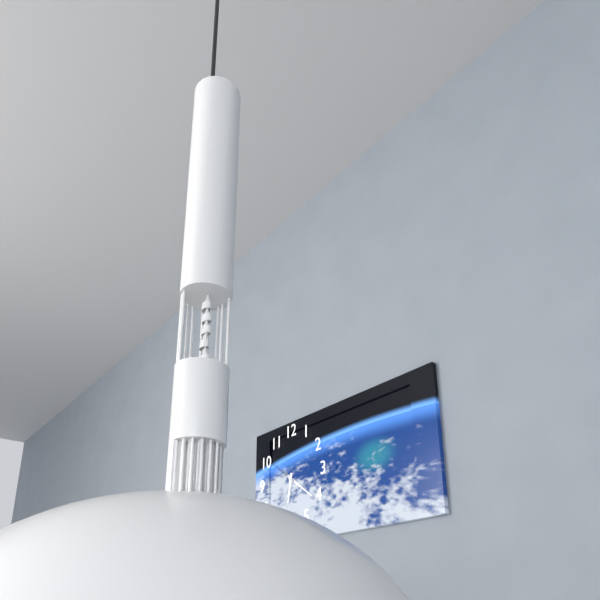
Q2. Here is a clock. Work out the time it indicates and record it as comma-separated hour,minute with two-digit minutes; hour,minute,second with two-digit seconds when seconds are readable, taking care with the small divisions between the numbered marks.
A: 6,21
